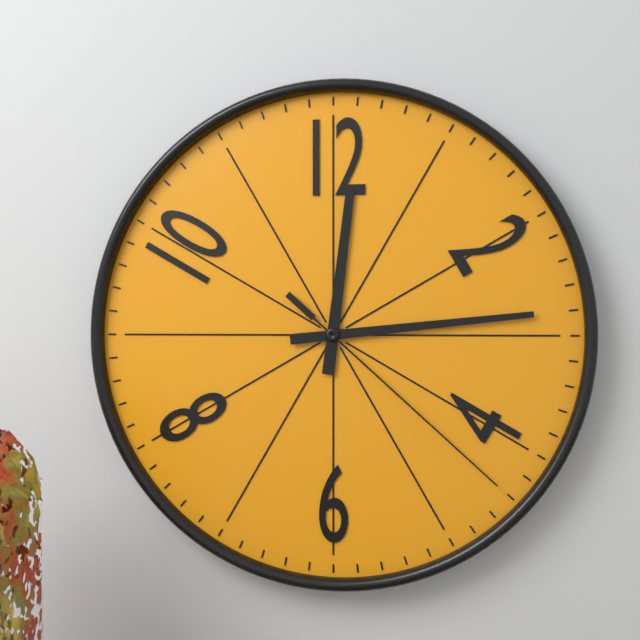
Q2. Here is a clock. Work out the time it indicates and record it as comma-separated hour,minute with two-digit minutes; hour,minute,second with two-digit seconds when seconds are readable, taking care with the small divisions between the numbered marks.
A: 12,14,22
